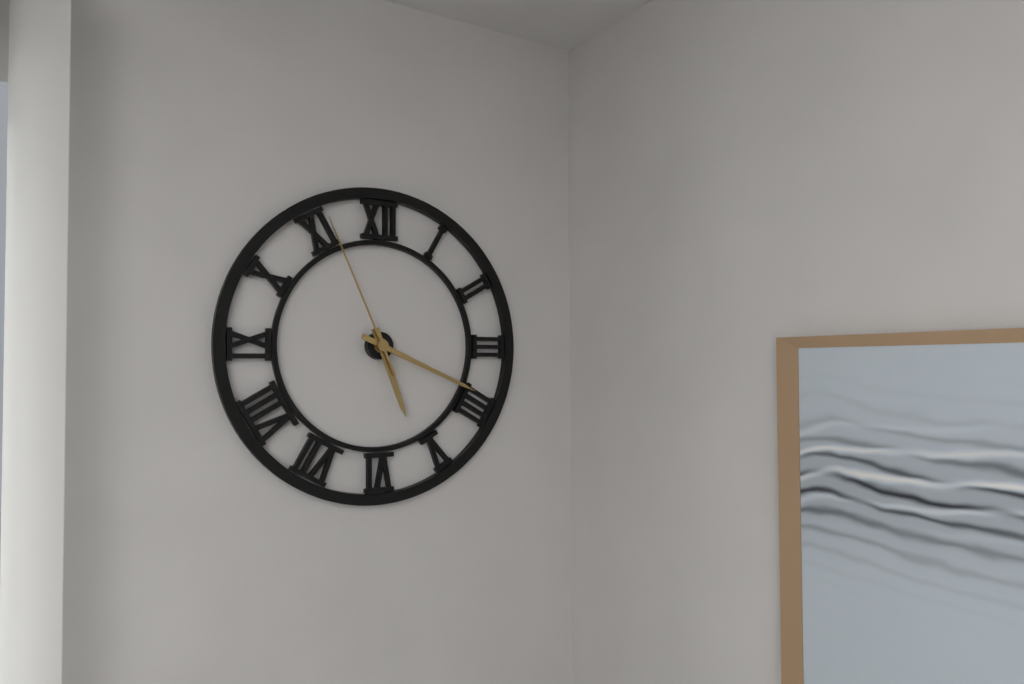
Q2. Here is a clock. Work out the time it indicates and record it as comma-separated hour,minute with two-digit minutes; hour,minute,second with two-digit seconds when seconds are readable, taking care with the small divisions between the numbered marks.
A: 5,19,56
